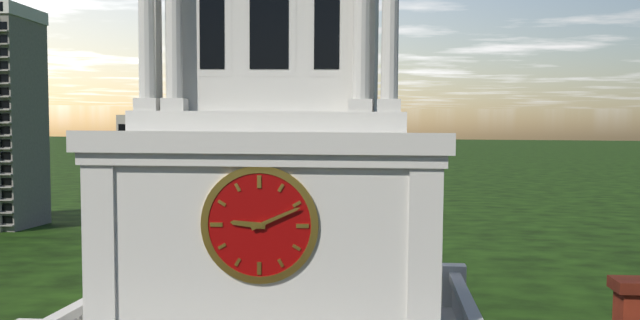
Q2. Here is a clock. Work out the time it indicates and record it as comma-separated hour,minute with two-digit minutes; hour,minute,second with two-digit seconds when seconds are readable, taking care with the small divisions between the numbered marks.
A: 9,11
